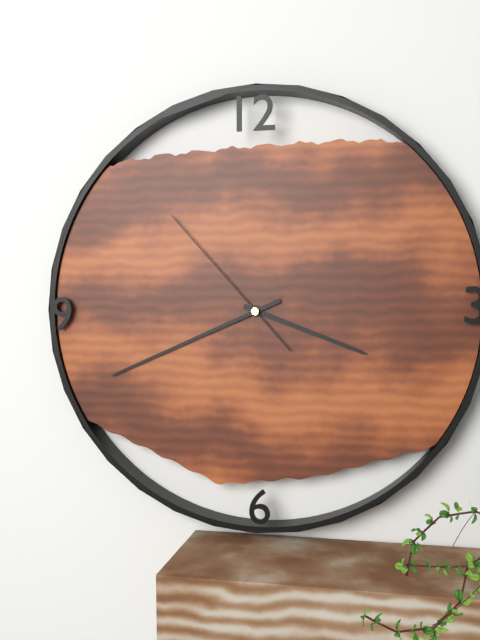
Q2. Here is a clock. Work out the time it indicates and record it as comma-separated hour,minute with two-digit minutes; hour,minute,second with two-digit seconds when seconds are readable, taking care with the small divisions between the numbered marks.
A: 3,41,53
